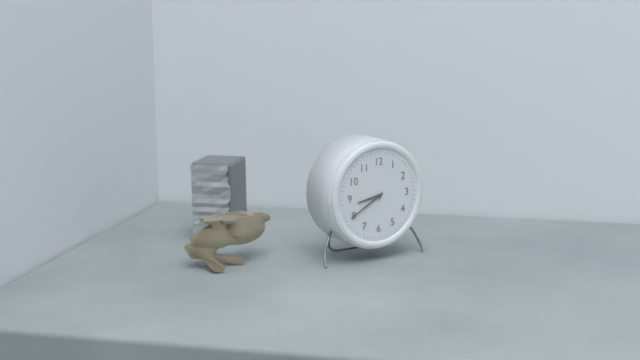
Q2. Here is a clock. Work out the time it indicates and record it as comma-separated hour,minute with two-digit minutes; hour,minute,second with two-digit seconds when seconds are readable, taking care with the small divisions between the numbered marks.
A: 8,40
